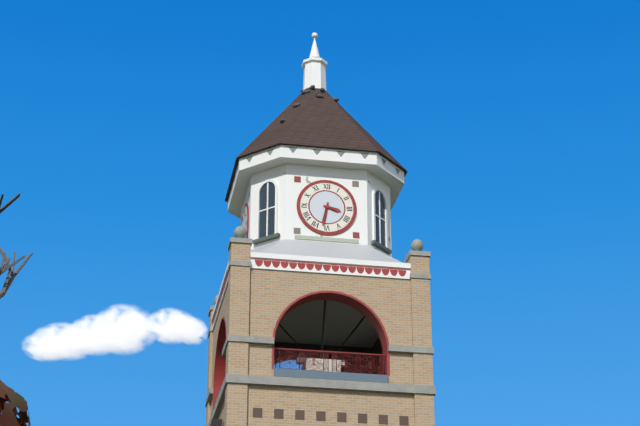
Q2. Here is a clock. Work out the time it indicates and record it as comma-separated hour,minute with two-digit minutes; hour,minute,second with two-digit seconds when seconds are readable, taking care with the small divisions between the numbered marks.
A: 3,32
